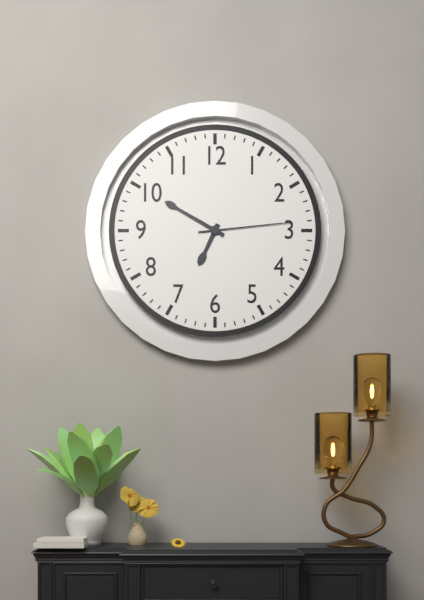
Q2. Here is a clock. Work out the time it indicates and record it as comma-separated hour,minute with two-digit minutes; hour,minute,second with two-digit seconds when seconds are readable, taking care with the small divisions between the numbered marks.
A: 6,50,14
